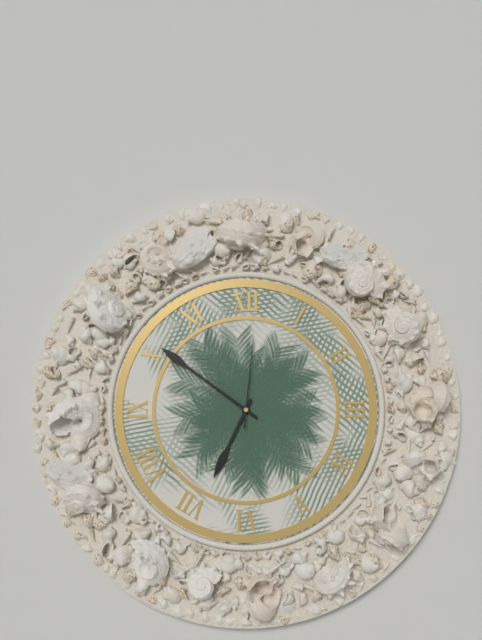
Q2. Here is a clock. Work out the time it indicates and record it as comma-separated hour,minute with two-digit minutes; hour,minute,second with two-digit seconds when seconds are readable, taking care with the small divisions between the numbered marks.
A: 6,51,01
